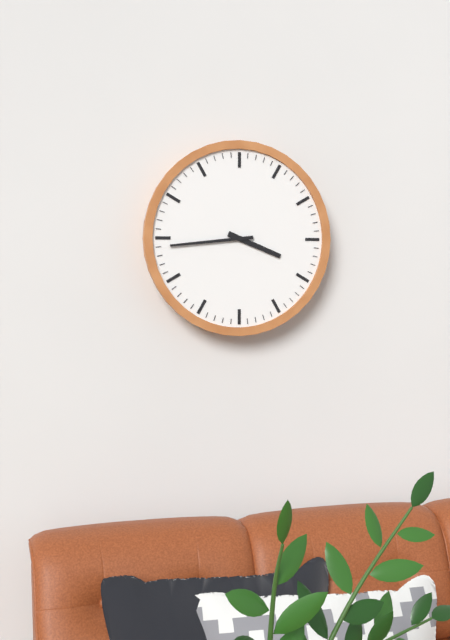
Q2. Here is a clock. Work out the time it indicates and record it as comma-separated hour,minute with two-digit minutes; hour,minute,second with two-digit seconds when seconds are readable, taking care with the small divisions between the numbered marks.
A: 3,44
